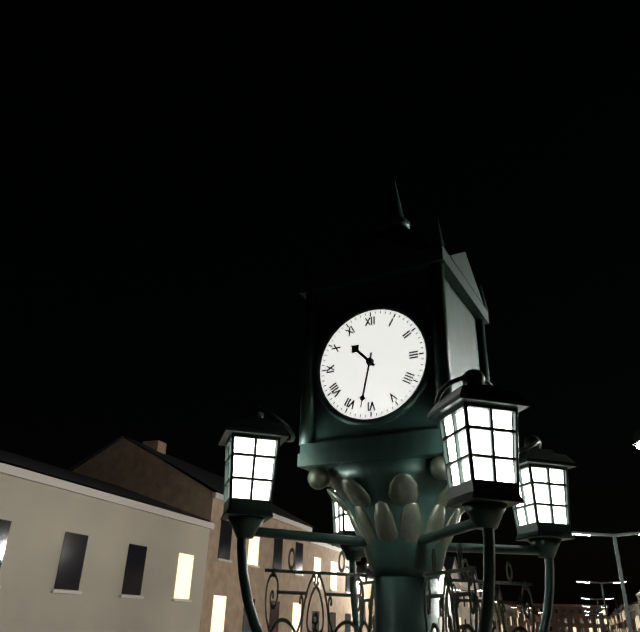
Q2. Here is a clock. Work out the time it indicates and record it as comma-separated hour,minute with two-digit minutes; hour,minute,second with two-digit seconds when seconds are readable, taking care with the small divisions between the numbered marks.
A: 10,32
